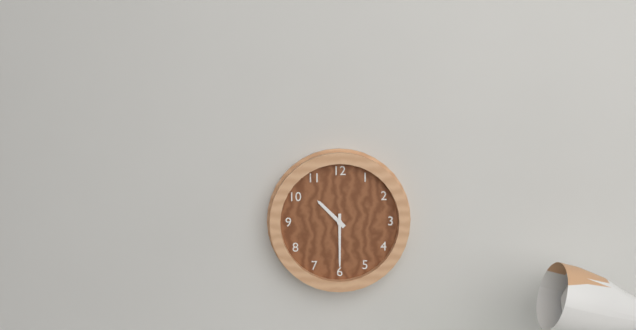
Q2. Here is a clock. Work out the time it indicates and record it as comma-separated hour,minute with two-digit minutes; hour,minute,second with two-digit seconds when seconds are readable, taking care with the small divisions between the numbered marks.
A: 10,30
